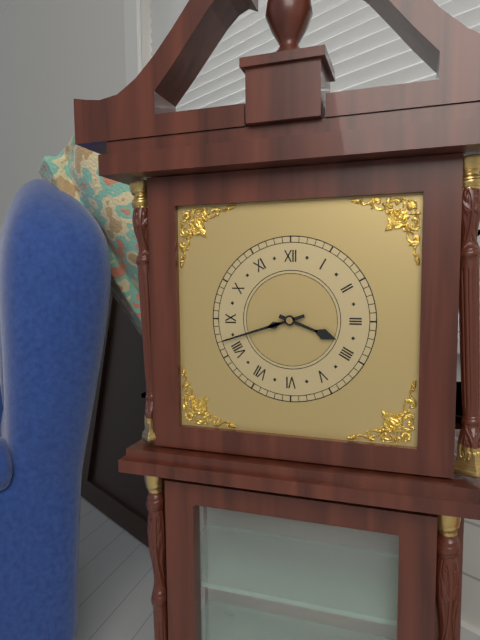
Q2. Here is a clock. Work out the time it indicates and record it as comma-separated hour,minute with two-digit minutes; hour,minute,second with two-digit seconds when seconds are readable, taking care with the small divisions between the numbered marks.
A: 3,42
